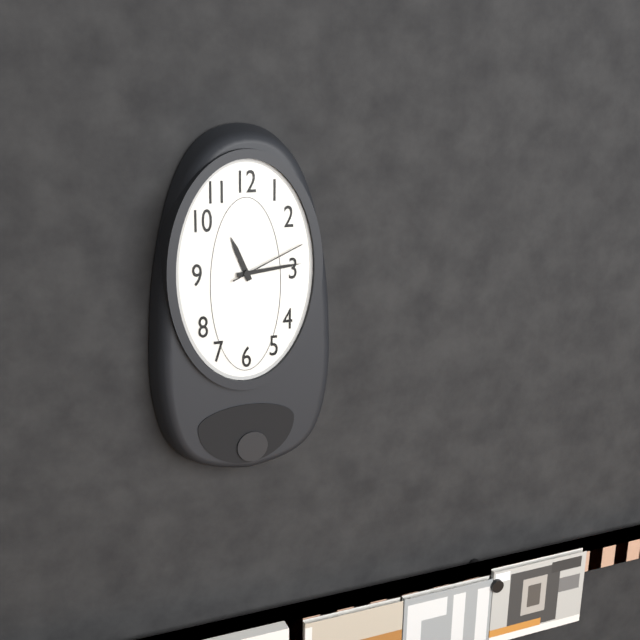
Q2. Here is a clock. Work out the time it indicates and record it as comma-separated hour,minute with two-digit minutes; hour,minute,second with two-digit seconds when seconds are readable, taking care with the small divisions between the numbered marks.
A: 11,14,11
